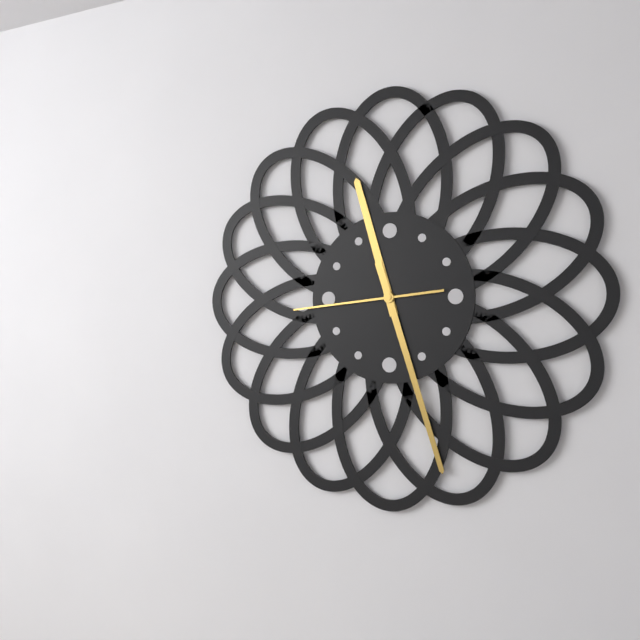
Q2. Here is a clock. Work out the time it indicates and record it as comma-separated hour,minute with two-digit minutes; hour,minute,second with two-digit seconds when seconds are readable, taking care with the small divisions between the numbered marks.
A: 11,27,44
